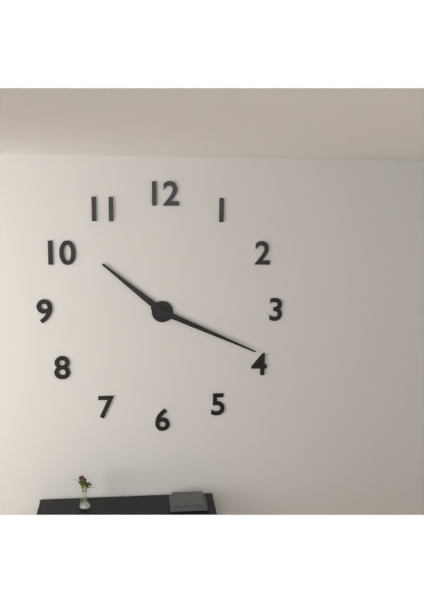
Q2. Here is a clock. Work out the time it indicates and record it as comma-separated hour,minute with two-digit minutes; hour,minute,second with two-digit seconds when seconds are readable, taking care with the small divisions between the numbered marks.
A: 10,19
